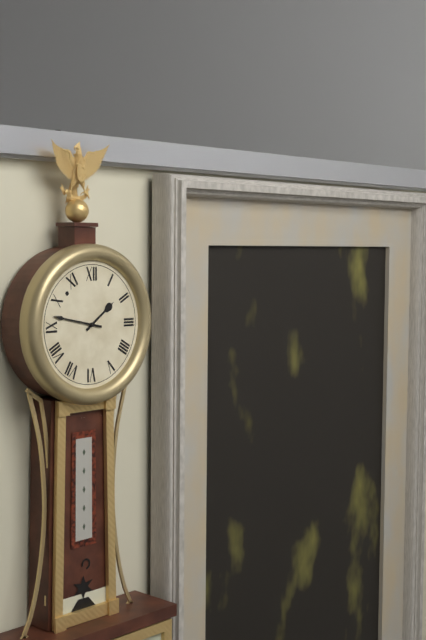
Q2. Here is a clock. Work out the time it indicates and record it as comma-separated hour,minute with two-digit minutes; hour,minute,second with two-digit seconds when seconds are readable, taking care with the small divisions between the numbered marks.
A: 1,47
